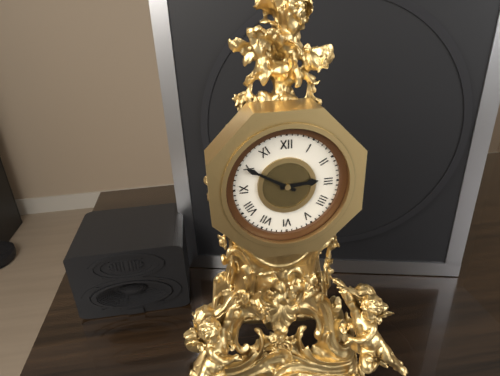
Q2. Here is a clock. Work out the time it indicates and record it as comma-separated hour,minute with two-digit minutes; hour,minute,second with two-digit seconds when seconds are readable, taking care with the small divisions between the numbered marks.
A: 2,50
